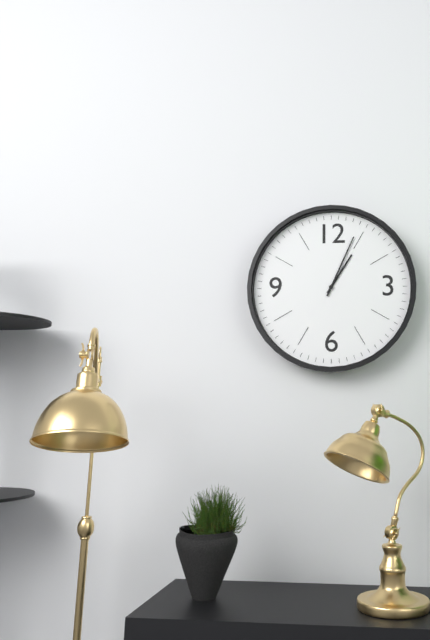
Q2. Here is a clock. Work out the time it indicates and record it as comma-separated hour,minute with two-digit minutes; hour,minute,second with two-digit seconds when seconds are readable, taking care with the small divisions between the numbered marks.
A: 1,04
